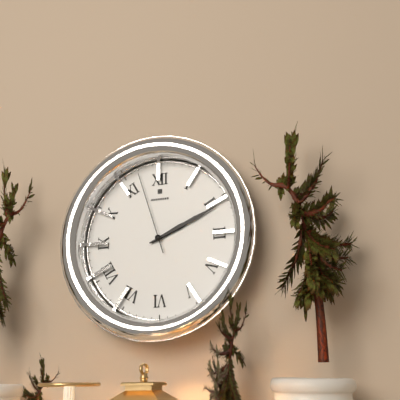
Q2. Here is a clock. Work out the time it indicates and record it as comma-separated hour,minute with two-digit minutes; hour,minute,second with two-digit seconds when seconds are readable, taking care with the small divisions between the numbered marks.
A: 2,11,57
